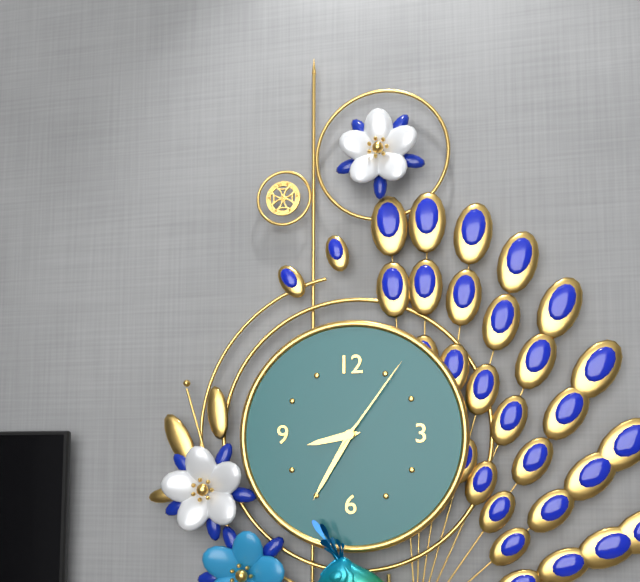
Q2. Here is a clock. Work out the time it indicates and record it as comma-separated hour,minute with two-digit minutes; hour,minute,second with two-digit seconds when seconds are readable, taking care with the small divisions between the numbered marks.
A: 8,35,06
